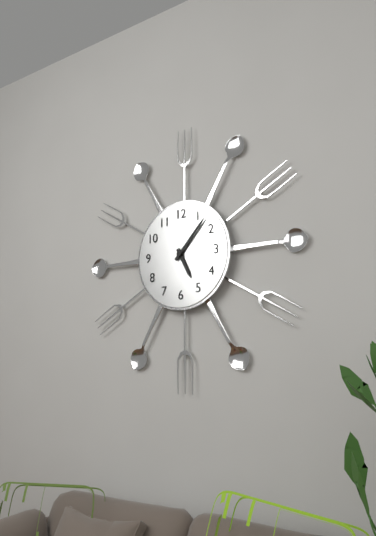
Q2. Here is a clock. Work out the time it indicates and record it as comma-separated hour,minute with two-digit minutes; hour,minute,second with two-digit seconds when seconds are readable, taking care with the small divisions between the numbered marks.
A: 5,07
